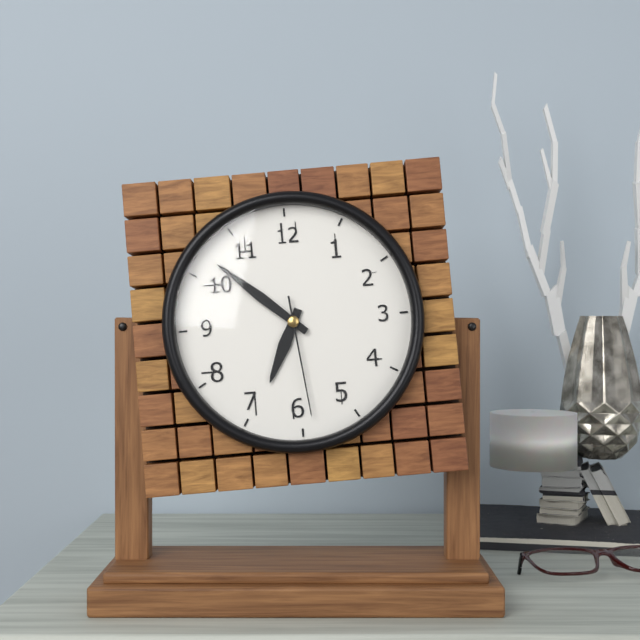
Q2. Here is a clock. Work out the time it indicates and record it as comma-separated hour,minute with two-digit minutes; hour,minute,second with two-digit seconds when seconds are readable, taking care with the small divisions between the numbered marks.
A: 6,52,29
